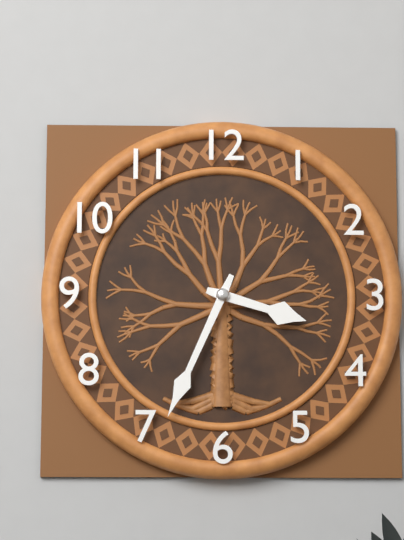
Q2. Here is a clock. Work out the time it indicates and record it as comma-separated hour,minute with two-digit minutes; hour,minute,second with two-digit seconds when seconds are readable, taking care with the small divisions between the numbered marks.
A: 3,34
